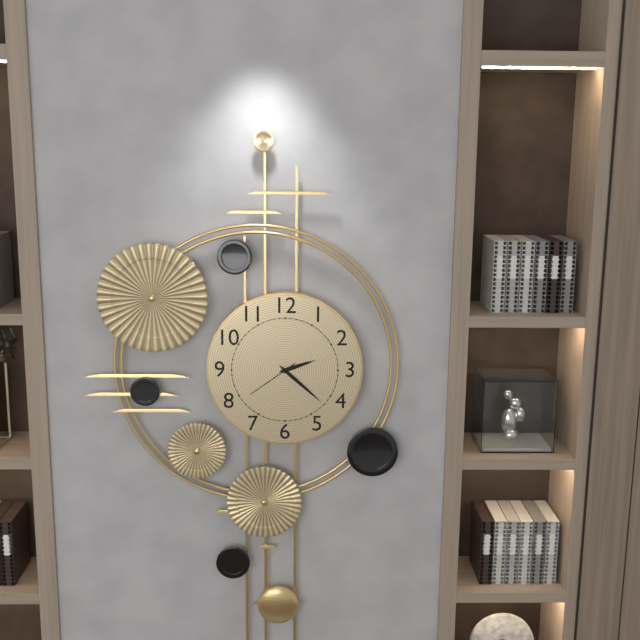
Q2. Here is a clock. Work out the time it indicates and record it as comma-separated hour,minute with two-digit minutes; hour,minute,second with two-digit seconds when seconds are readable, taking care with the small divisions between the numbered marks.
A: 2,22,39
